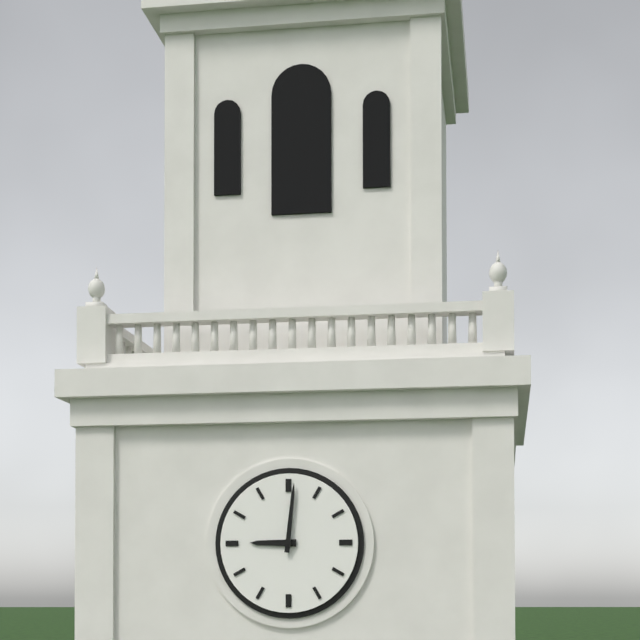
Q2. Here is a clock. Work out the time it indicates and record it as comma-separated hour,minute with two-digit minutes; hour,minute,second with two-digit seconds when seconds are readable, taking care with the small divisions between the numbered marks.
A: 9,01
